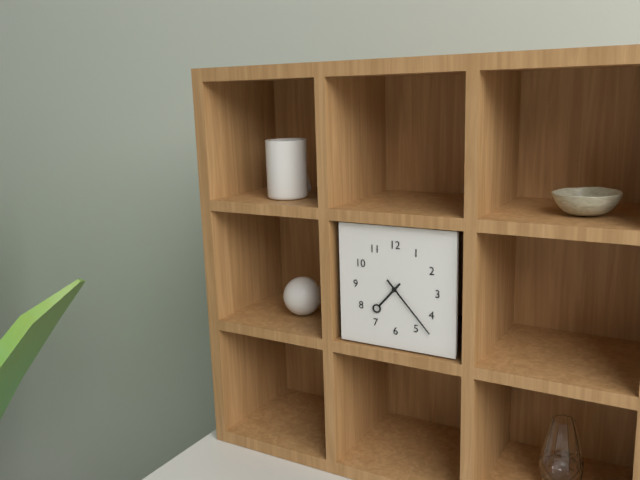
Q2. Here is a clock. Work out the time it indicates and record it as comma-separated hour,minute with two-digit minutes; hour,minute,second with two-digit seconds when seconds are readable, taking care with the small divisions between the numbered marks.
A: 7,23
